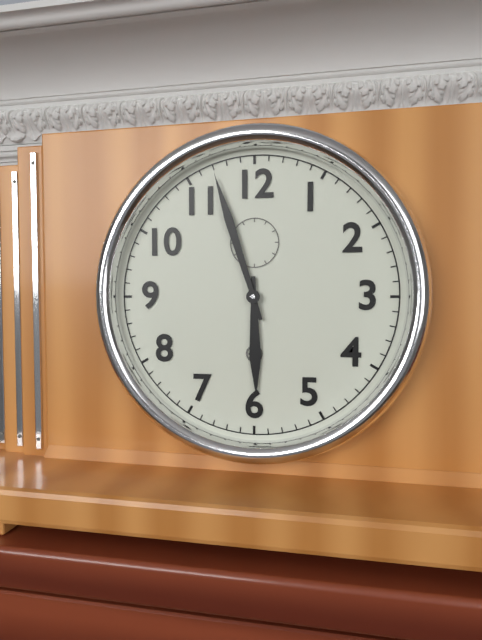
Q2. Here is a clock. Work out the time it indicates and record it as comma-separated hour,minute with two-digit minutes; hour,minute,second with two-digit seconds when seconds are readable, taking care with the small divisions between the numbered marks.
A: 5,57
